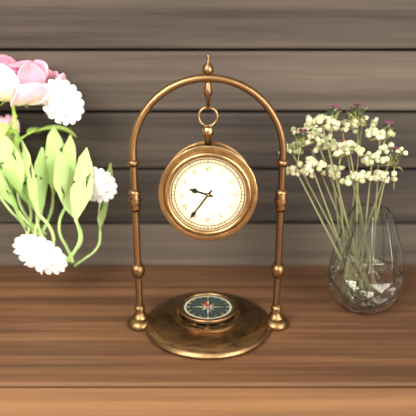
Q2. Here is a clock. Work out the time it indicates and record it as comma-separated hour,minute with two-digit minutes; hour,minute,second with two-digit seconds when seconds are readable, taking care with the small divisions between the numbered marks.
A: 9,36
